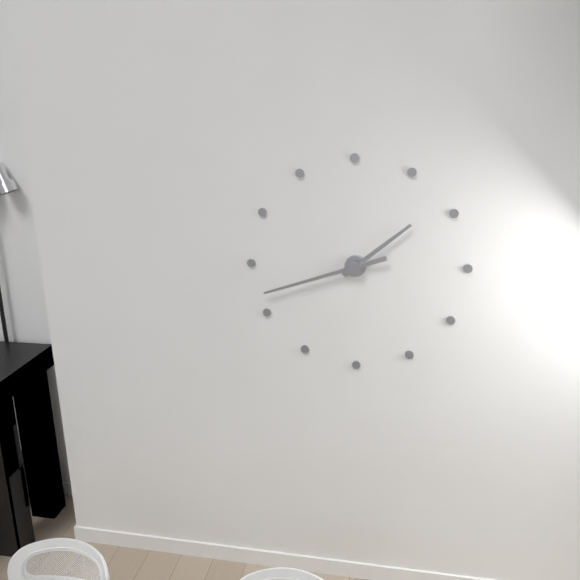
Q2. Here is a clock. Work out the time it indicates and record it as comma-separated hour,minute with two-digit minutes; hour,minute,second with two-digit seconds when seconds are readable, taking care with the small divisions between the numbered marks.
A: 1,42
